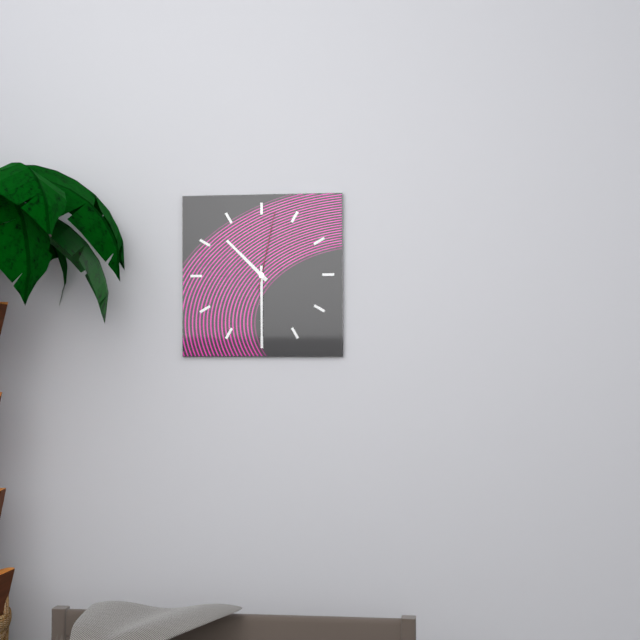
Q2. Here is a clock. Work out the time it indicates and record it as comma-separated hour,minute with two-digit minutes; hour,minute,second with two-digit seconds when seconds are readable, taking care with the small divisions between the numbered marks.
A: 10,30,02
